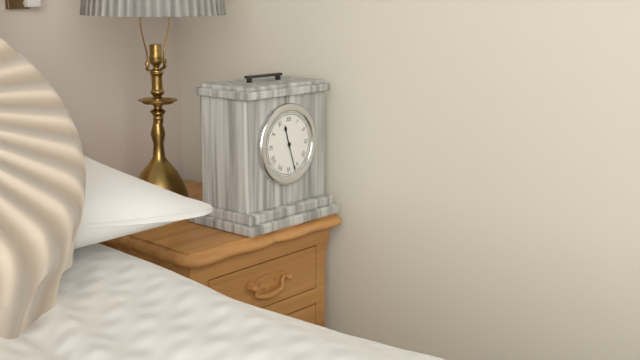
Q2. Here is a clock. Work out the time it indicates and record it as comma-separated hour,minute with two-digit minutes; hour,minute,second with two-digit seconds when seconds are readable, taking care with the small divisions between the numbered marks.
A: 11,27
